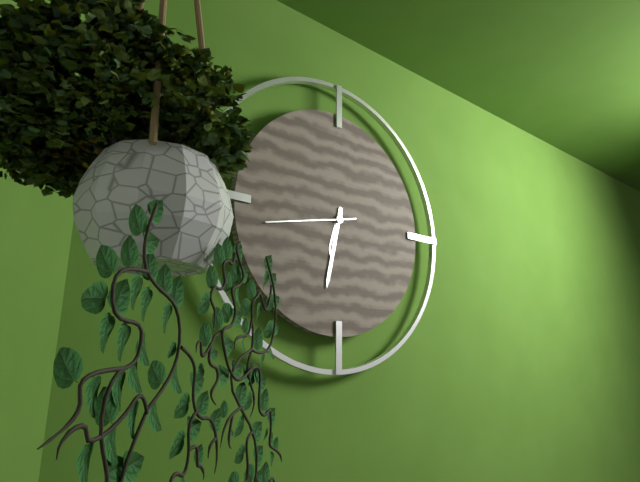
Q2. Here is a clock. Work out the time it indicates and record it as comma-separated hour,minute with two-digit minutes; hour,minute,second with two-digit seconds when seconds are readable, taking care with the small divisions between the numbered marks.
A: 6,32,43
